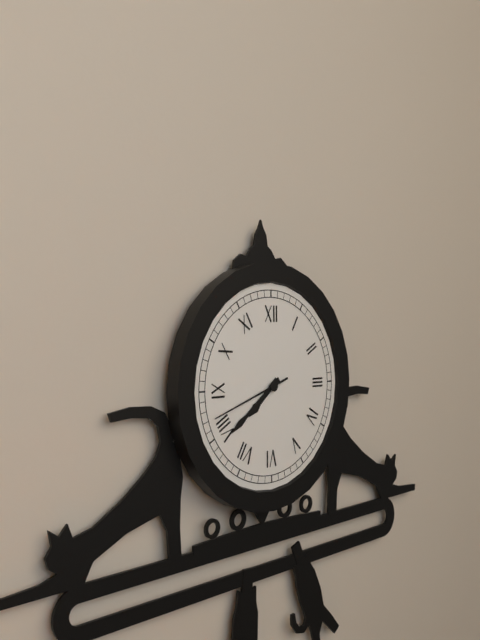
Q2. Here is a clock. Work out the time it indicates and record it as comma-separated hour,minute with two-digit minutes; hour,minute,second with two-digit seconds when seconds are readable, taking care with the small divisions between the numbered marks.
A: 7,39,42
